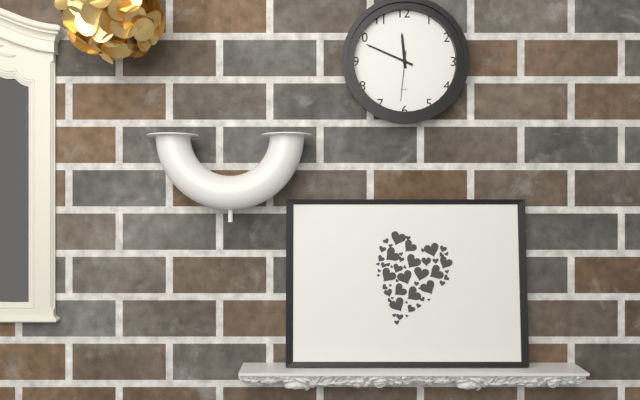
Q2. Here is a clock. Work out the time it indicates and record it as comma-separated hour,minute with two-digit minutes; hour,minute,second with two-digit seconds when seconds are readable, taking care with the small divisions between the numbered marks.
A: 11,49
